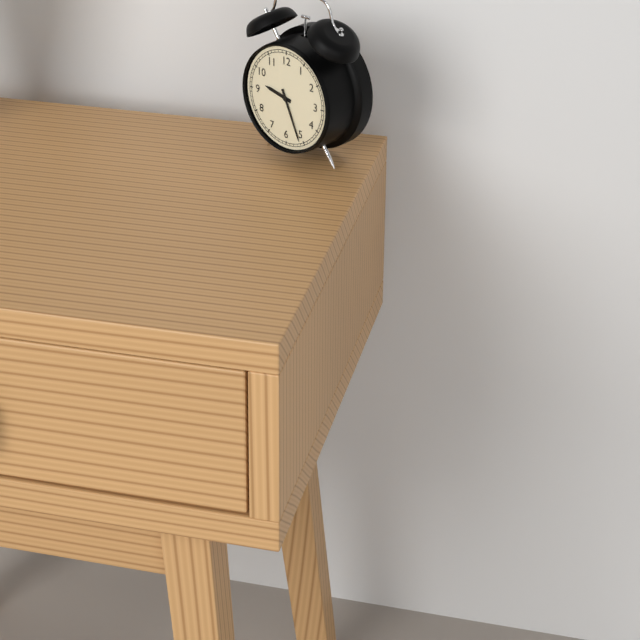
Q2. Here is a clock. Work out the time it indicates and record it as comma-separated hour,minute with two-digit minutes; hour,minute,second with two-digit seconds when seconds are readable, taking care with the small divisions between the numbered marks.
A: 9,26
